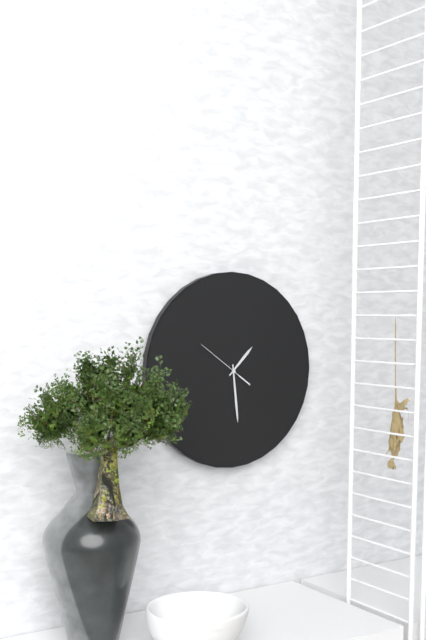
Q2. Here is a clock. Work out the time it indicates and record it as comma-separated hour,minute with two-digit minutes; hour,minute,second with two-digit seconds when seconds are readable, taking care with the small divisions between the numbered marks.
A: 1,29,51
